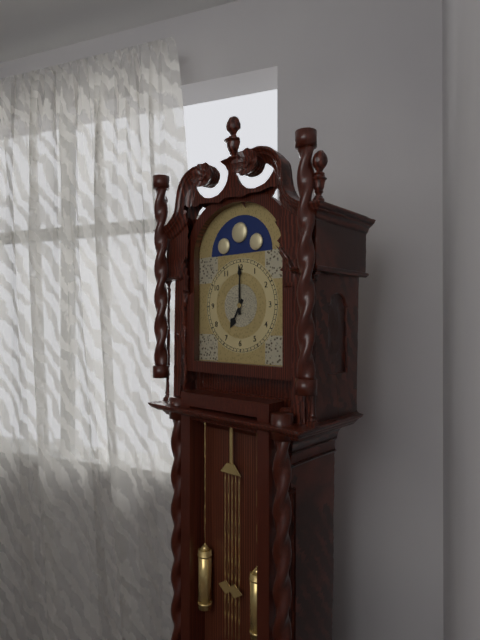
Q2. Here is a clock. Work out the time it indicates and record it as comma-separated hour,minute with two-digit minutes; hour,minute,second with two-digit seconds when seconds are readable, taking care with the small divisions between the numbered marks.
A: 7,00
